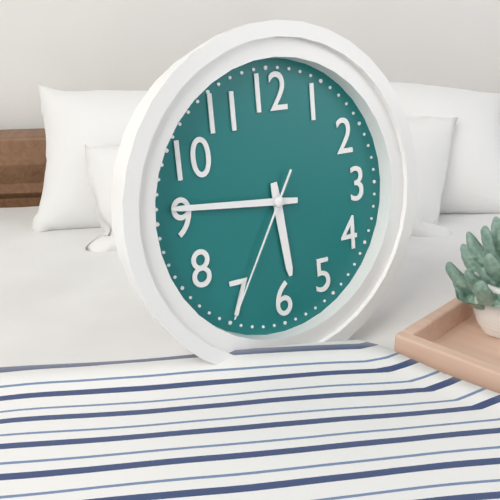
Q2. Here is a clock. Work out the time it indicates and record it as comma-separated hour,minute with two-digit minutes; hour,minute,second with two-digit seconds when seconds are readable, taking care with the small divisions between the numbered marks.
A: 5,46,35
